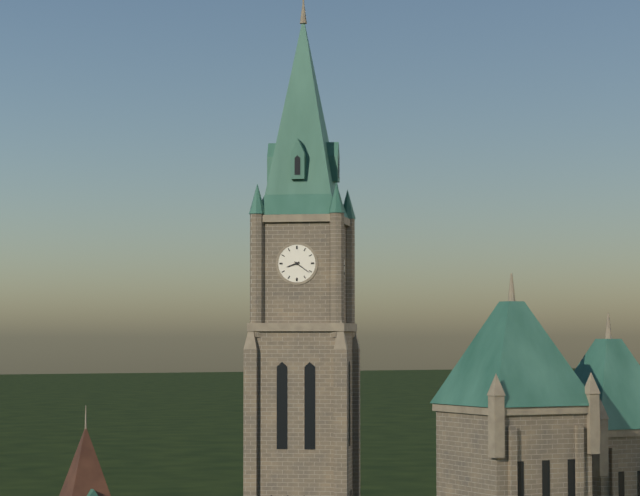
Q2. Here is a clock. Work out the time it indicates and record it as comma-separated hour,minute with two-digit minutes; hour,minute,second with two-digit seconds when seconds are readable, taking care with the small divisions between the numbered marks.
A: 8,21
